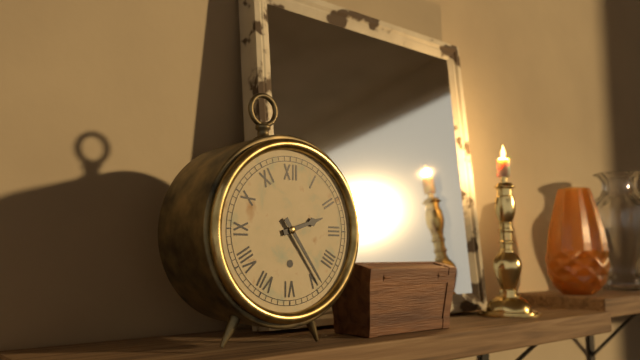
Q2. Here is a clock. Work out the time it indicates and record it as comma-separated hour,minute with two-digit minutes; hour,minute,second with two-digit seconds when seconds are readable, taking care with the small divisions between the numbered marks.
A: 2,24
